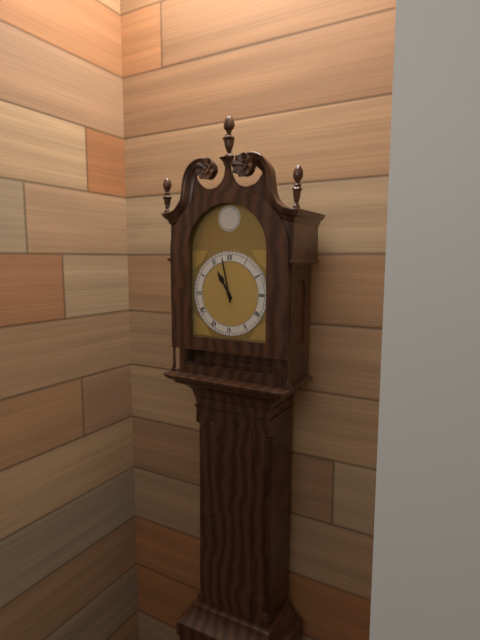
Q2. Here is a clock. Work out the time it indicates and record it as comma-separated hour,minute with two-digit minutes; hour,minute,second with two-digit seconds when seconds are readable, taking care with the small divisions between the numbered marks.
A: 10,58
